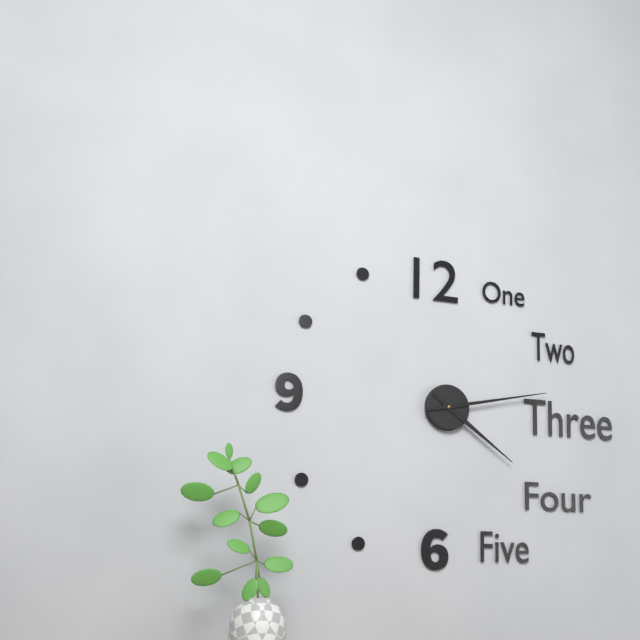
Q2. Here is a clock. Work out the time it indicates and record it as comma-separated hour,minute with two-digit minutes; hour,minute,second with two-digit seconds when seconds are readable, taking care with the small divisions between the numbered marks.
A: 4,13
